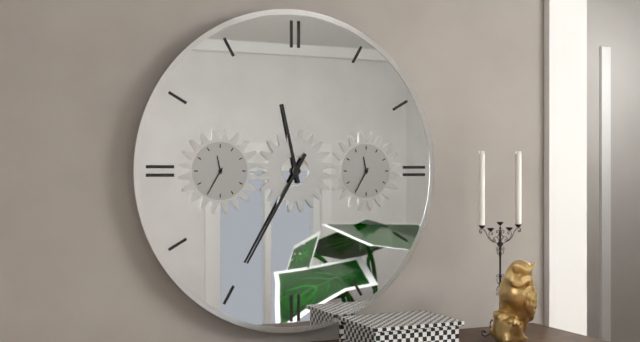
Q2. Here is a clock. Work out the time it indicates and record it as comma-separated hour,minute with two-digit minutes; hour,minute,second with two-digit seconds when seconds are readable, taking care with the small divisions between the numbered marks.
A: 11,35
